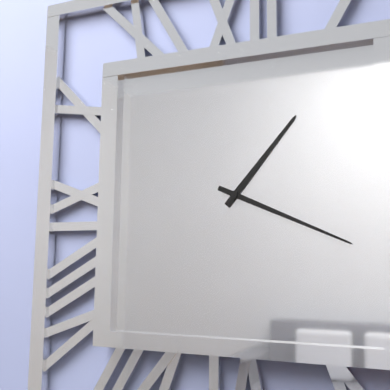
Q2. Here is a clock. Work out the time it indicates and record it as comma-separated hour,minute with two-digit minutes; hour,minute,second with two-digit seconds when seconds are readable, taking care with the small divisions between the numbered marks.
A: 1,19
